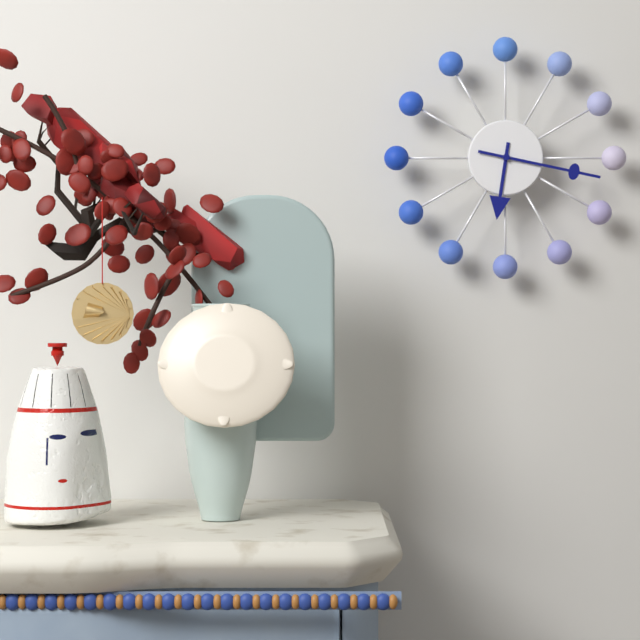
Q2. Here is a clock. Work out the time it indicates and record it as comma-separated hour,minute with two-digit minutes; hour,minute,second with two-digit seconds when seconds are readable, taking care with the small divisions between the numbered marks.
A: 6,17
